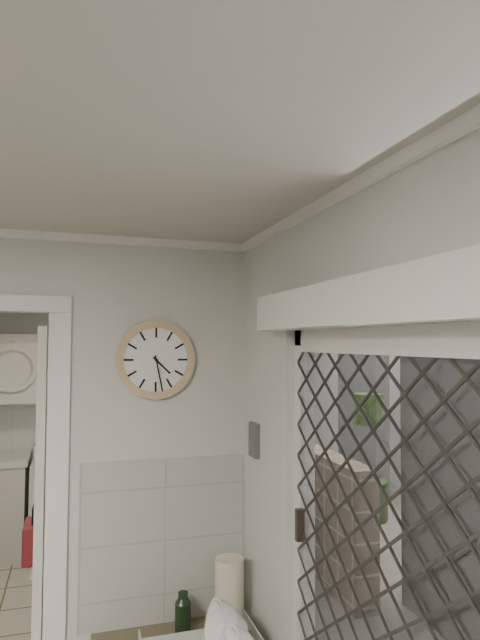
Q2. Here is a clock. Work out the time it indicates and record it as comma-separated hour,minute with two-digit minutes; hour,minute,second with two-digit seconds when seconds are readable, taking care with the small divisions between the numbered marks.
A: 4,28
